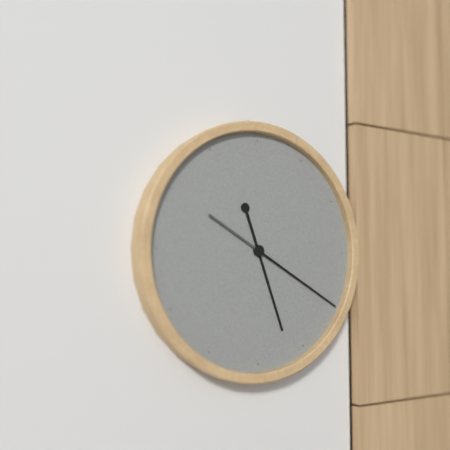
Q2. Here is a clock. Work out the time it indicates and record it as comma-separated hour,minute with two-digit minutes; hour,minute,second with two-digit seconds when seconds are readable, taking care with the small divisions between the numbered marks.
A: 5,20
